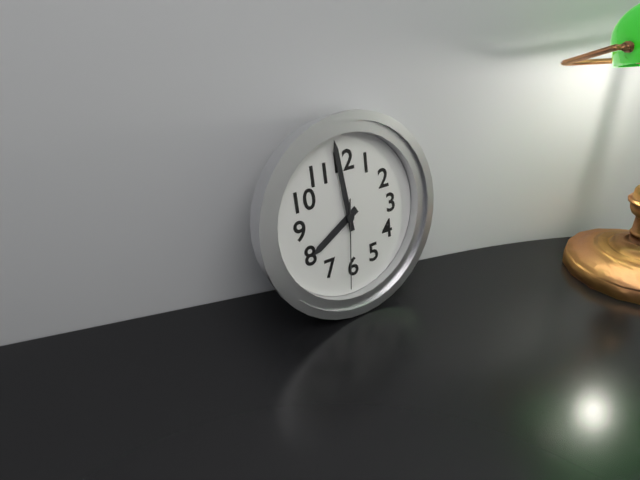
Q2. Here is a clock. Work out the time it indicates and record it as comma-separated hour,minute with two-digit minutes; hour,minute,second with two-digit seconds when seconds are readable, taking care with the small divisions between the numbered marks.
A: 7,59,31
